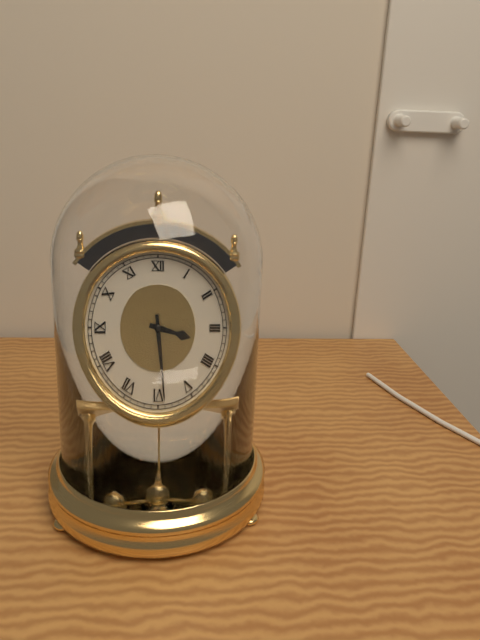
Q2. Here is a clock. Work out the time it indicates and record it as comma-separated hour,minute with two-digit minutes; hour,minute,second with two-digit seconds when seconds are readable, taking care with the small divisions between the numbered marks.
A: 3,29
